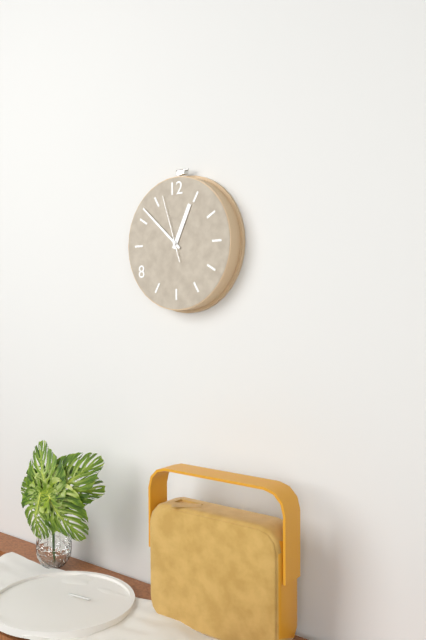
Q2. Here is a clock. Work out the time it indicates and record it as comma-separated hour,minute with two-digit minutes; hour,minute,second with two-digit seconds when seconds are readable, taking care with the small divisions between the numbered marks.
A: 12,52,57
